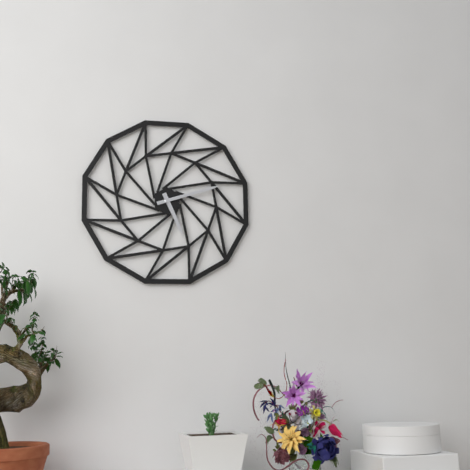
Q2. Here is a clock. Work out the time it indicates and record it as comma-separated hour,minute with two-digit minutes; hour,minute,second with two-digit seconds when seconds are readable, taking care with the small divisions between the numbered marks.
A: 5,12
